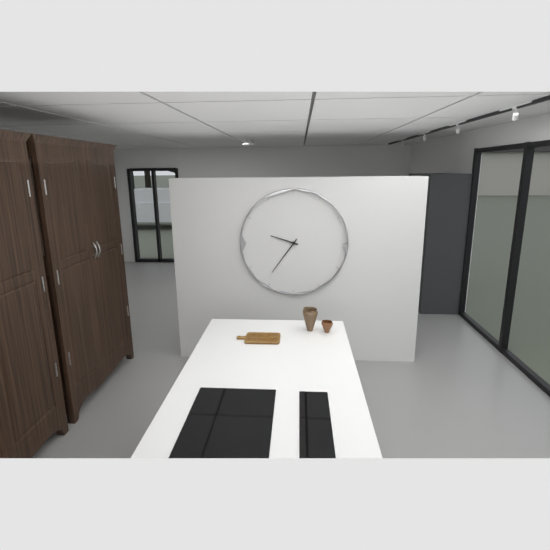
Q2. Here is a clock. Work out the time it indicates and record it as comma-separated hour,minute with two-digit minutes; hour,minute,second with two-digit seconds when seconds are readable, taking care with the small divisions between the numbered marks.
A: 9,36
